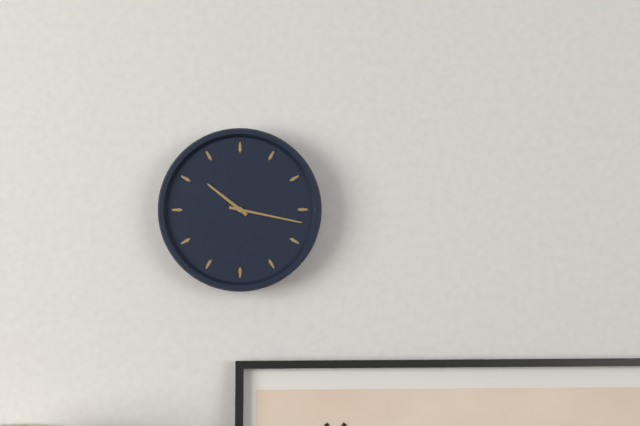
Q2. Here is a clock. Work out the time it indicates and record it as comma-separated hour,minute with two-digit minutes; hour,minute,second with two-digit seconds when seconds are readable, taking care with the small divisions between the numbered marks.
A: 10,17
